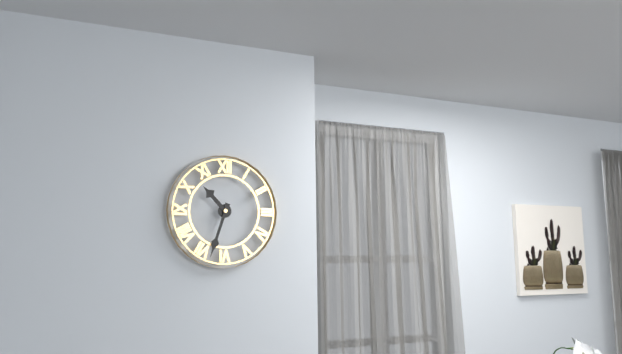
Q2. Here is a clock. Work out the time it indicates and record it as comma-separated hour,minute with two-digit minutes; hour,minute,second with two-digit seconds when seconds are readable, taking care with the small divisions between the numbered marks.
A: 10,33
